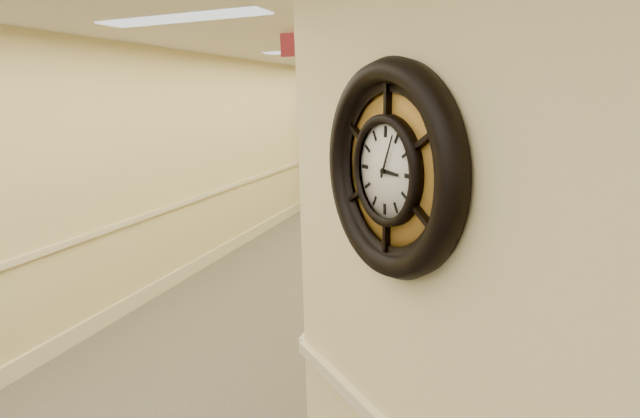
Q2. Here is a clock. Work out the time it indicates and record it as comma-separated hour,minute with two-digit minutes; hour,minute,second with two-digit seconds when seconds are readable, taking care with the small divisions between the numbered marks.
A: 3,04
